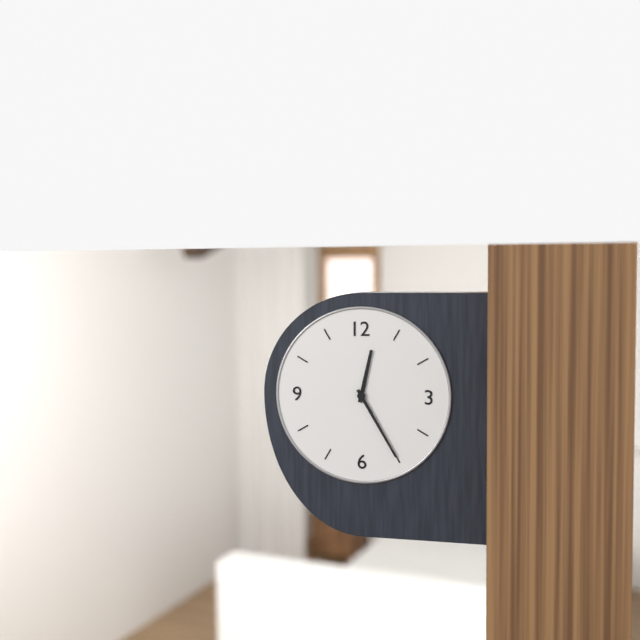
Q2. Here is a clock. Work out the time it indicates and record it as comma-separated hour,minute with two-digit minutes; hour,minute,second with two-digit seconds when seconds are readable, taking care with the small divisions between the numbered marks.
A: 12,25
